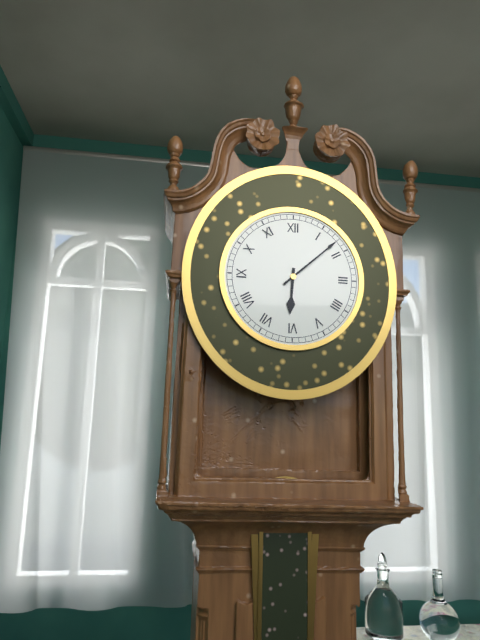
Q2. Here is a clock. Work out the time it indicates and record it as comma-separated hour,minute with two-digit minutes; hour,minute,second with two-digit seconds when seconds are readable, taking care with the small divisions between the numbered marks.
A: 6,08
